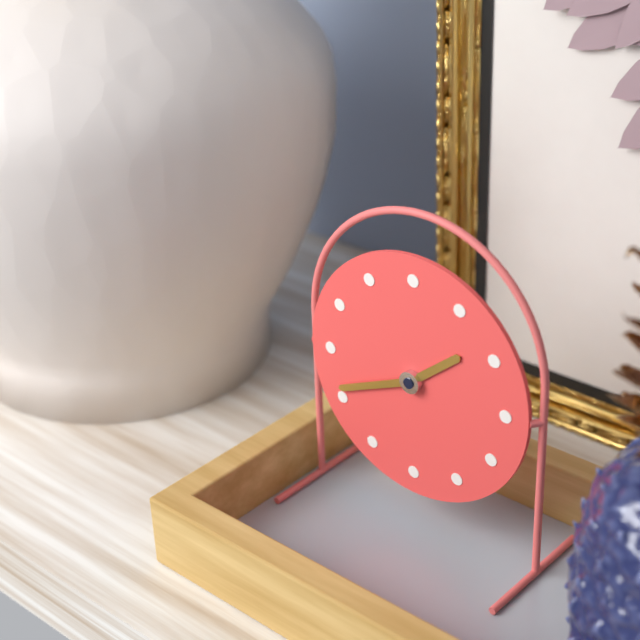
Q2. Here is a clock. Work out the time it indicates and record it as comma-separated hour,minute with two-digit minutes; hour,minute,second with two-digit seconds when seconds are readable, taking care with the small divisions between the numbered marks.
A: 1,41
